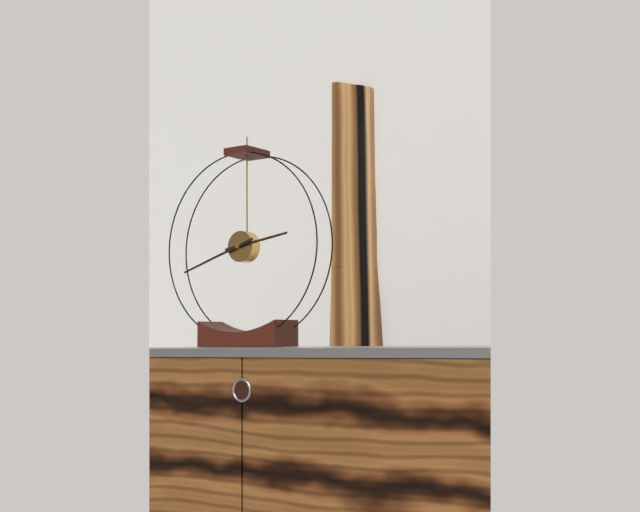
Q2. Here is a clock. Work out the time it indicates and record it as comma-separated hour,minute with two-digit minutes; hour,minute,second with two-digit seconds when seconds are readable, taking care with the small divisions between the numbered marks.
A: 2,42
